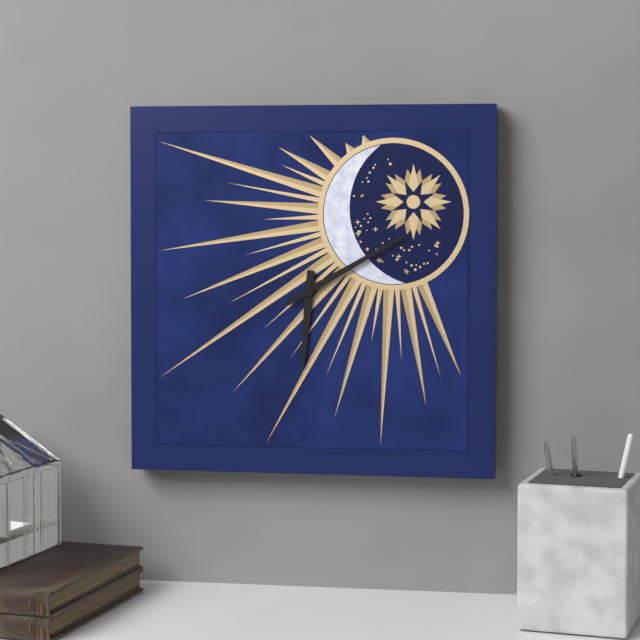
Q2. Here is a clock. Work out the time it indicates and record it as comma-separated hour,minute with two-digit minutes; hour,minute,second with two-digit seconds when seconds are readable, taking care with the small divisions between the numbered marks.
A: 6,10
